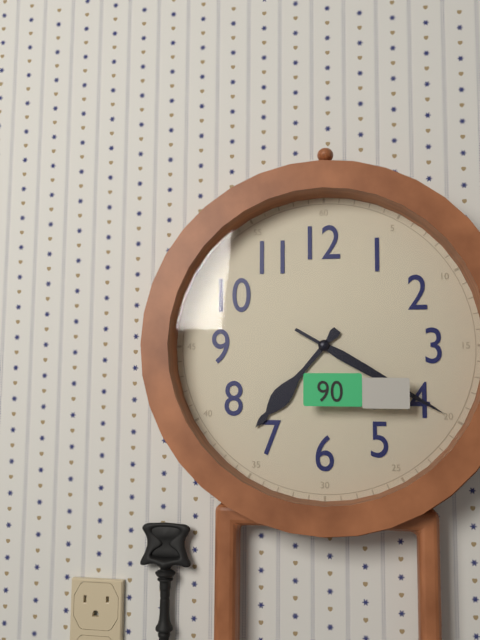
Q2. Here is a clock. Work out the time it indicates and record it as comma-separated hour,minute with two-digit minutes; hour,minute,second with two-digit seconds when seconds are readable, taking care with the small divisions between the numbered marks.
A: 7,20
